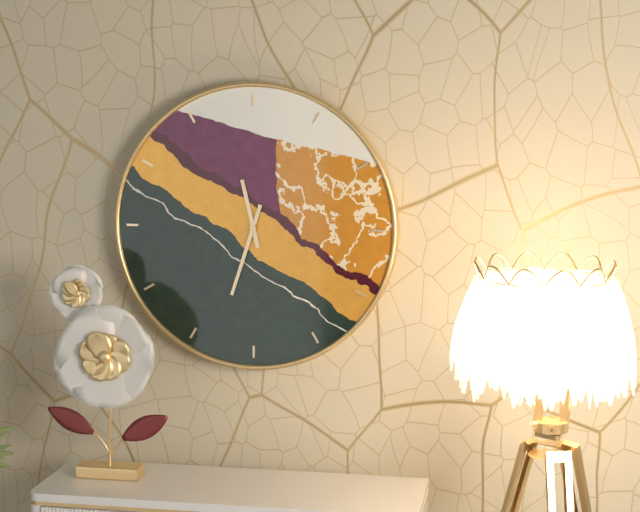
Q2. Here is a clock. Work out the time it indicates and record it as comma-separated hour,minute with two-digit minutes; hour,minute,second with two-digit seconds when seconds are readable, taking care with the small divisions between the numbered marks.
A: 11,33
